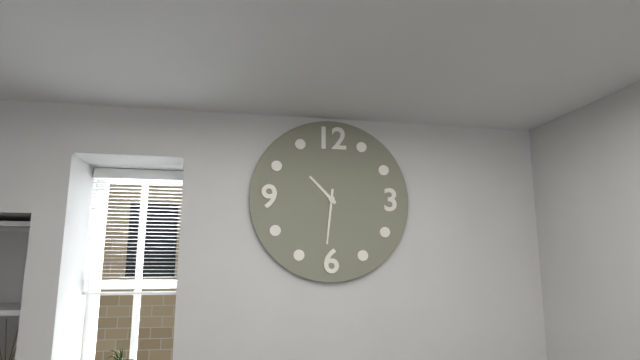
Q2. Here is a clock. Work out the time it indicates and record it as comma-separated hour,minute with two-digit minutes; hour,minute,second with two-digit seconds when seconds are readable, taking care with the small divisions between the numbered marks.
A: 10,31
